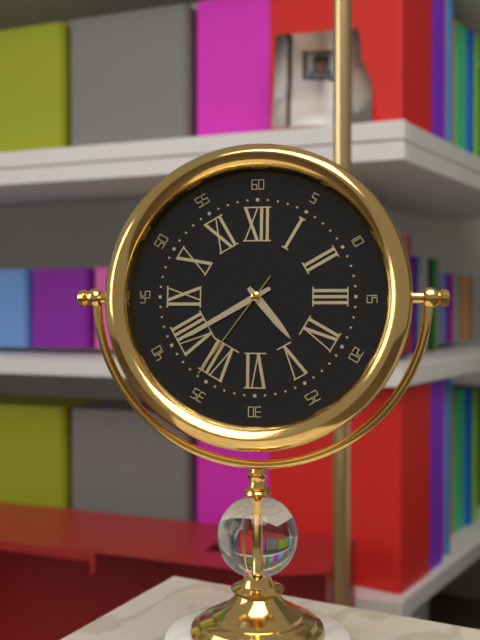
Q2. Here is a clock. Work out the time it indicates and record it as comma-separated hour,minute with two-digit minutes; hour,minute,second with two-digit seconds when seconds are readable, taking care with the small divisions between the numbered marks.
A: 4,40,36
